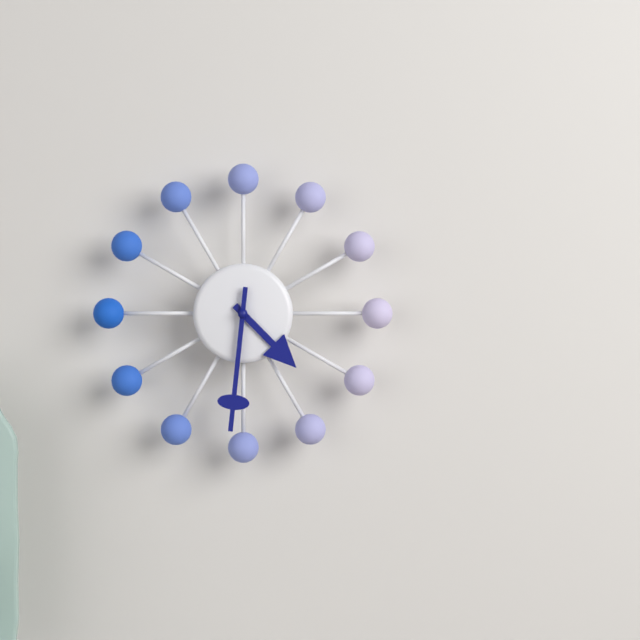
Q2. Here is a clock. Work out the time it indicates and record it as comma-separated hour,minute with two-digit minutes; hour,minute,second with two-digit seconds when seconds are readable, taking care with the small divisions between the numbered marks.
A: 4,31
